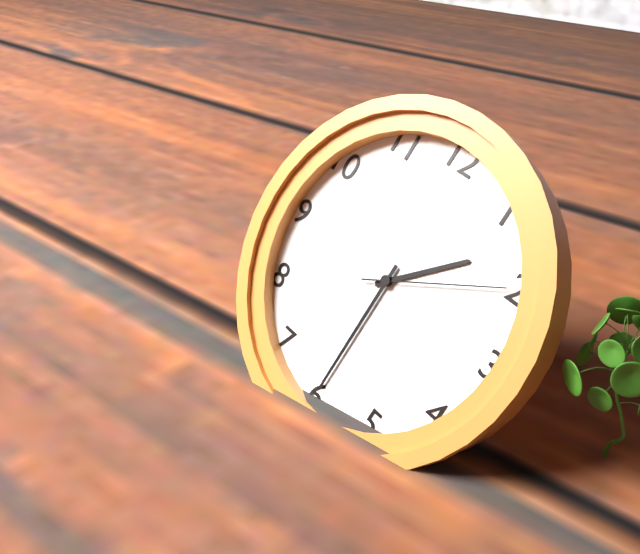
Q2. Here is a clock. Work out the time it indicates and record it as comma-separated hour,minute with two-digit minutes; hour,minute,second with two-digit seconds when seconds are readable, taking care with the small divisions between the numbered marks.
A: 1,30,10
